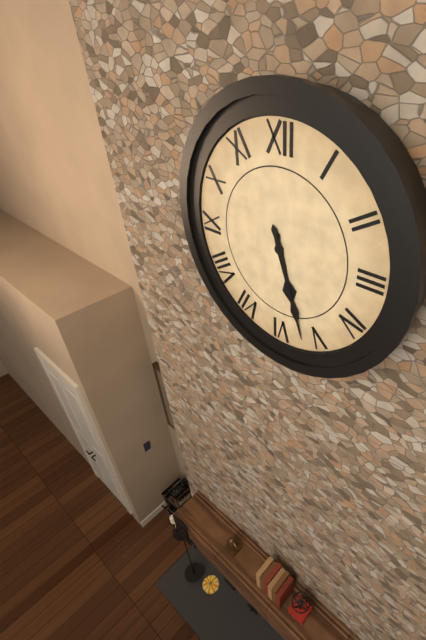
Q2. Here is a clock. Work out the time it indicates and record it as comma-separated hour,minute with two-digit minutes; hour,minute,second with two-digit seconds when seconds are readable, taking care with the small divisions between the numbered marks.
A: 5,27
